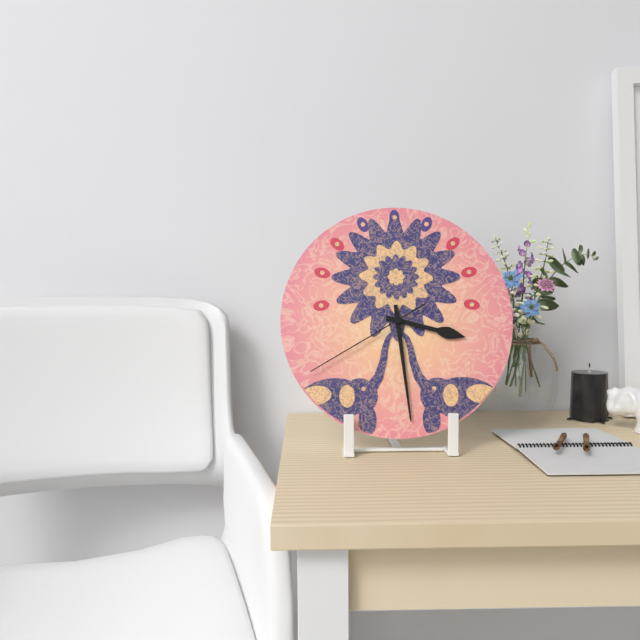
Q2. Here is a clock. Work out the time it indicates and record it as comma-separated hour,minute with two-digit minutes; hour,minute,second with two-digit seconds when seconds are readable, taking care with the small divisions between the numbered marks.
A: 3,29,40
